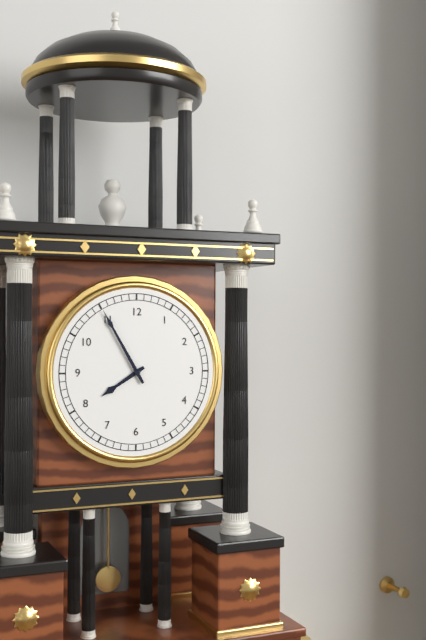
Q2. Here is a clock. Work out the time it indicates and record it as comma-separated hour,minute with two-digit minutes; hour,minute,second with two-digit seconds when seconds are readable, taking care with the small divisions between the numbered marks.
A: 7,55
